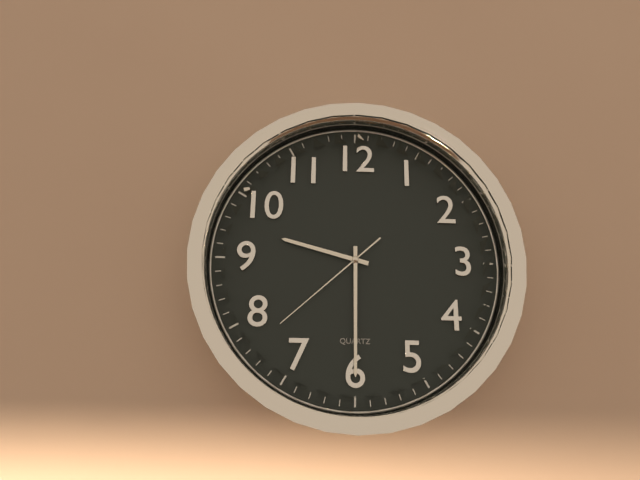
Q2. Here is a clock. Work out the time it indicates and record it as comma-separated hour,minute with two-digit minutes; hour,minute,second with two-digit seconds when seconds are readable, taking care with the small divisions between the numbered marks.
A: 9,30,38
